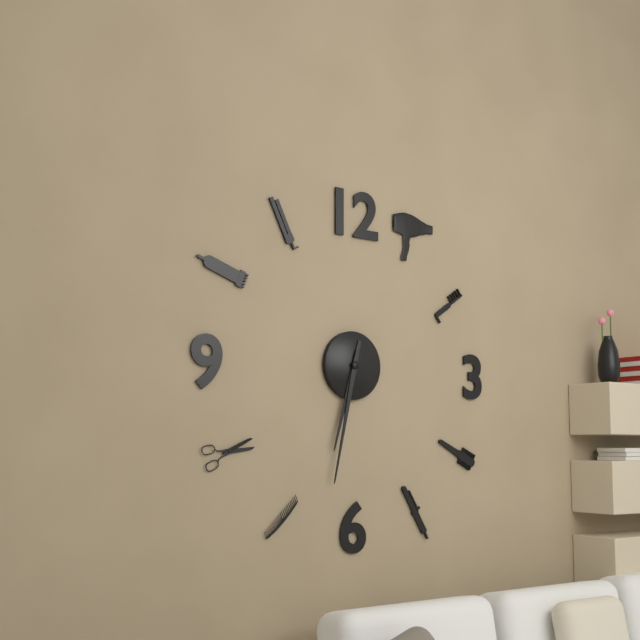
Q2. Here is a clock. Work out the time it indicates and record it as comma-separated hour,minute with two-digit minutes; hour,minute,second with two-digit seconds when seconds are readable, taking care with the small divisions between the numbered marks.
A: 6,32
